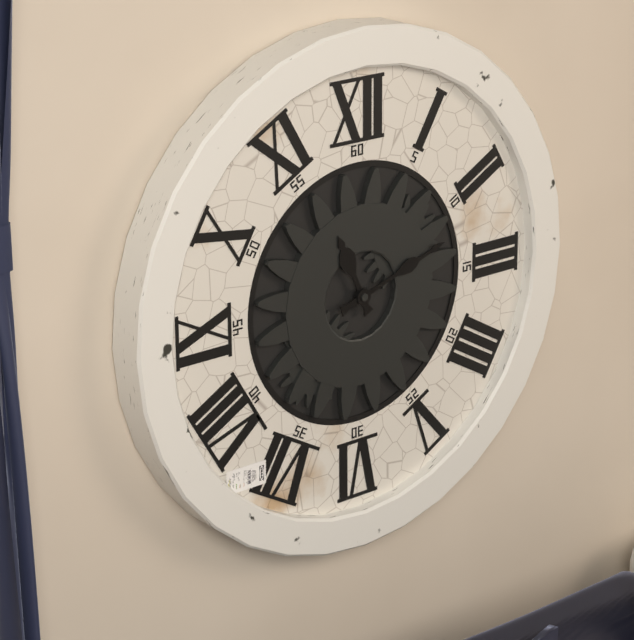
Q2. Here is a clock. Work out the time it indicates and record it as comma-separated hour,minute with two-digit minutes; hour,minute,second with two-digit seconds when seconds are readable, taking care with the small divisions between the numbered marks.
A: 11,12
